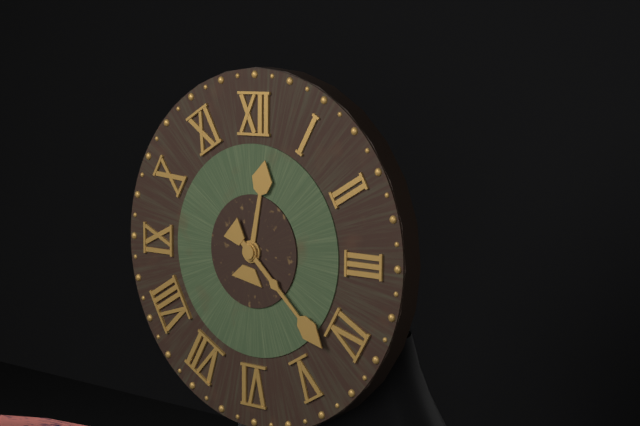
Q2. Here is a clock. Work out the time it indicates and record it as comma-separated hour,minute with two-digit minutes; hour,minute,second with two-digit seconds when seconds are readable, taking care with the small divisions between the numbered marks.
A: 12,22
